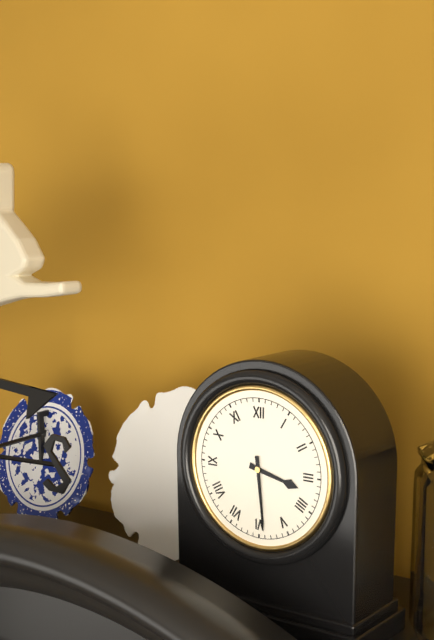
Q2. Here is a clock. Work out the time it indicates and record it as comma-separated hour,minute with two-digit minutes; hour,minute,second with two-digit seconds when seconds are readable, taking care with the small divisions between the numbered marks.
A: 3,29
